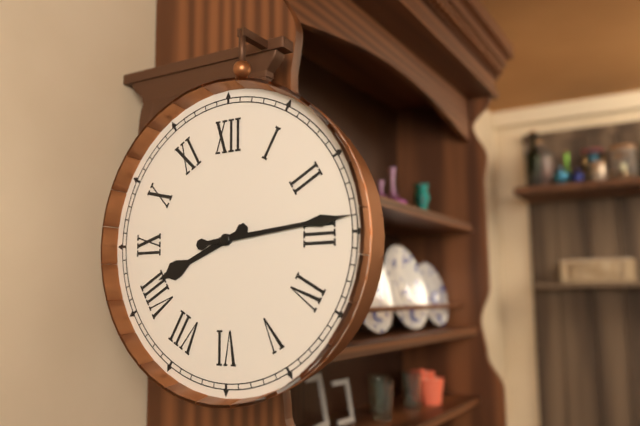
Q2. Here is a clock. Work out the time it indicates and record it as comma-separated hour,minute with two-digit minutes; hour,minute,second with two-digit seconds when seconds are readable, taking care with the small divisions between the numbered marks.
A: 8,14
